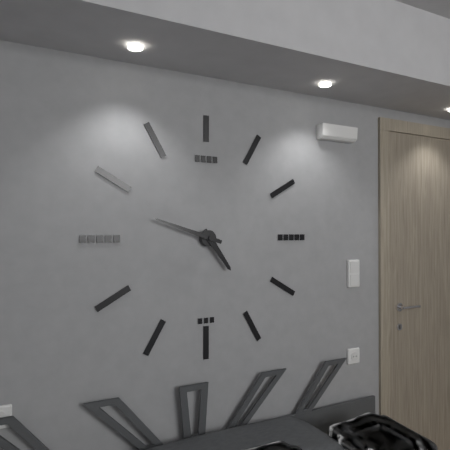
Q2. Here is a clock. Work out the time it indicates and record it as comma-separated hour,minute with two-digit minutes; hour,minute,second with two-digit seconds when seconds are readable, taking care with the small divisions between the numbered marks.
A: 4,48
